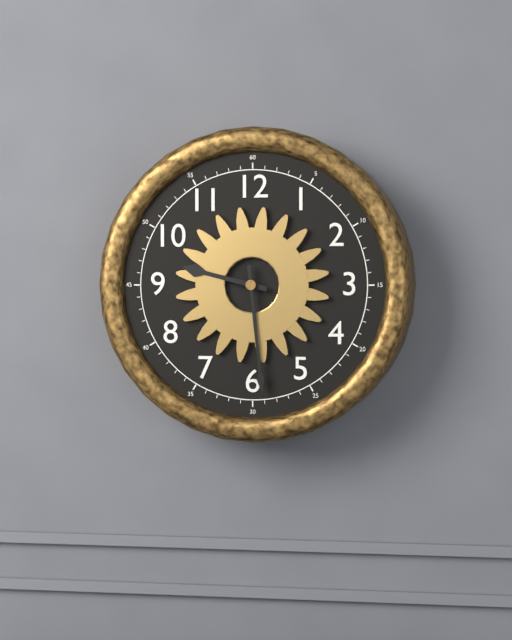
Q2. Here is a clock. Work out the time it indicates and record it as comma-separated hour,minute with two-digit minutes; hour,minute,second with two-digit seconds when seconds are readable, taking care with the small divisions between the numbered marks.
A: 9,29
